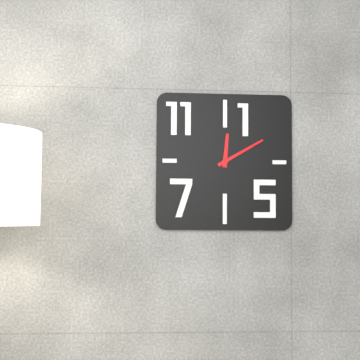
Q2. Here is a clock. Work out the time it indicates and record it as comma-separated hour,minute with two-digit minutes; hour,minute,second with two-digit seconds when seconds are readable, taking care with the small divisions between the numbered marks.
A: 12,10
